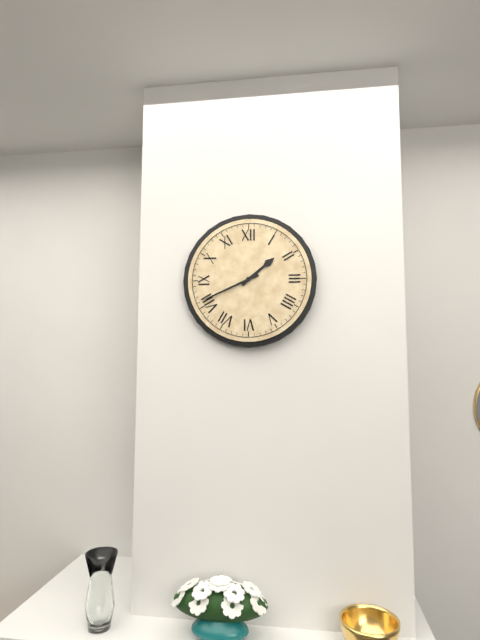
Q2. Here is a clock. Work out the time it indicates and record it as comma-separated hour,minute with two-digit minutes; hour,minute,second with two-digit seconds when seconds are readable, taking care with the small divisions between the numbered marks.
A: 1,41
